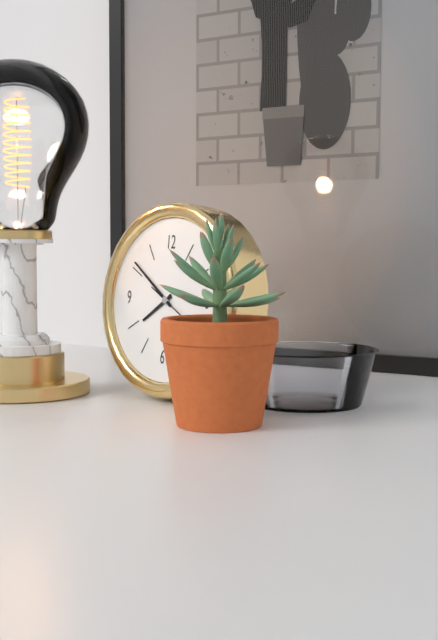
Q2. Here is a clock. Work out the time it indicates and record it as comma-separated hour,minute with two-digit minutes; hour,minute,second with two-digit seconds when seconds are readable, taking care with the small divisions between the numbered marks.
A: 7,51
